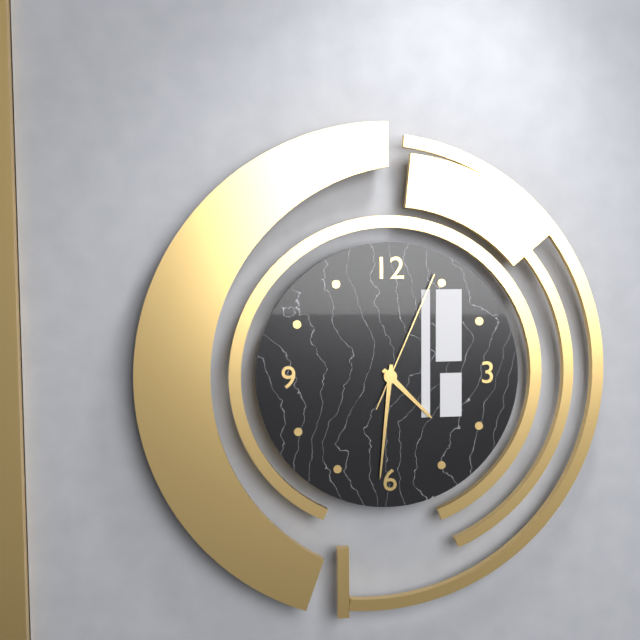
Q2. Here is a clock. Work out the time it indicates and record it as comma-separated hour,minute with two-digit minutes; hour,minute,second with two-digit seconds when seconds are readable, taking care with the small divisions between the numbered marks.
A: 4,31,04
